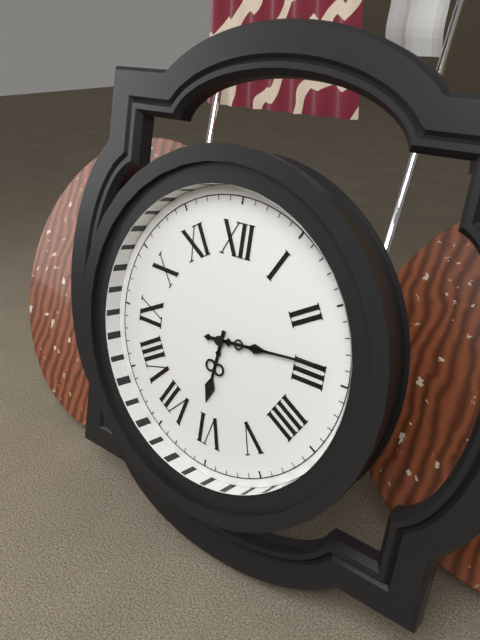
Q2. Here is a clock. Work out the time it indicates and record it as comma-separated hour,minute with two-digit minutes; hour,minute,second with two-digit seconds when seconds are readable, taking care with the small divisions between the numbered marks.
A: 6,14
